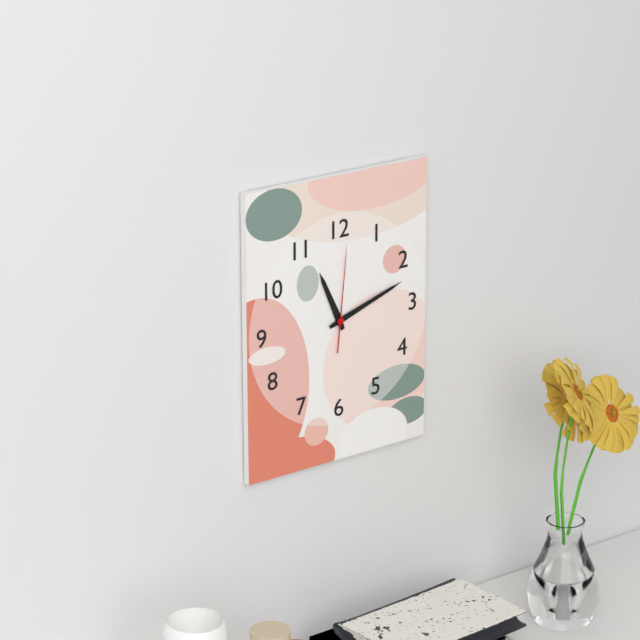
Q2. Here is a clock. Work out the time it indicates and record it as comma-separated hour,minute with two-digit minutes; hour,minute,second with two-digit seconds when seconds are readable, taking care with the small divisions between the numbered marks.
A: 11,12,01
